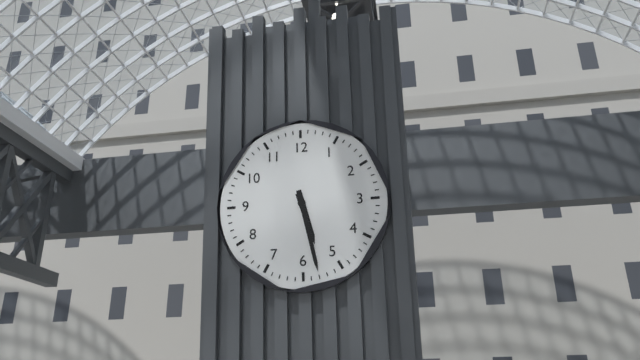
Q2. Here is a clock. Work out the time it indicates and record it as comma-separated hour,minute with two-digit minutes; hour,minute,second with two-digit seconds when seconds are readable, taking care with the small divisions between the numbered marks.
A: 5,28
